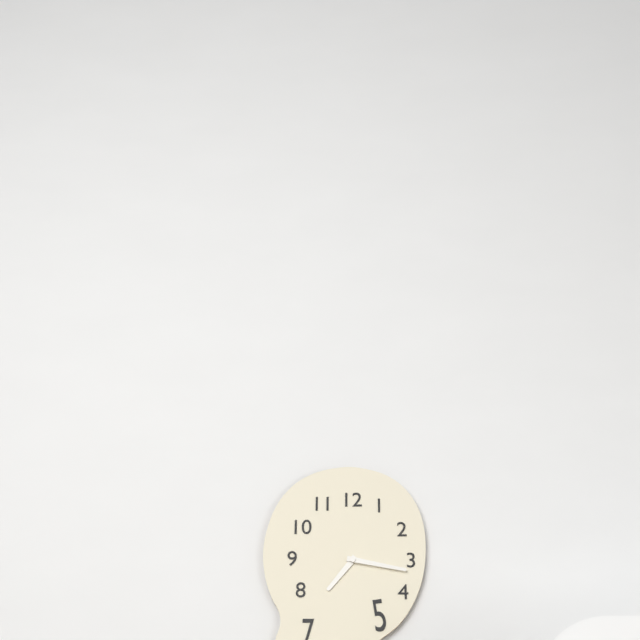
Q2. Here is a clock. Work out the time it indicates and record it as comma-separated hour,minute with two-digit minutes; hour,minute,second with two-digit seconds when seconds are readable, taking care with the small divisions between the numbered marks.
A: 7,17
